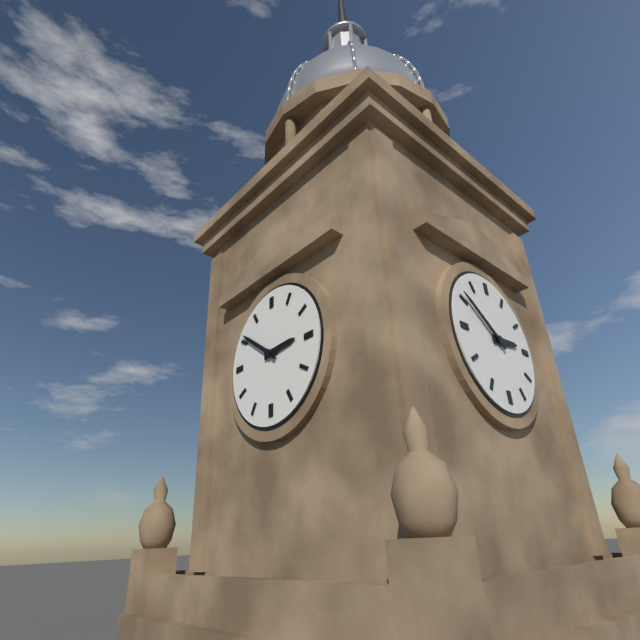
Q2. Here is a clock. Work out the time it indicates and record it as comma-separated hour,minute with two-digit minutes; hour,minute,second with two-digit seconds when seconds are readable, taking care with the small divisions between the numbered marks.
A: 2,51
